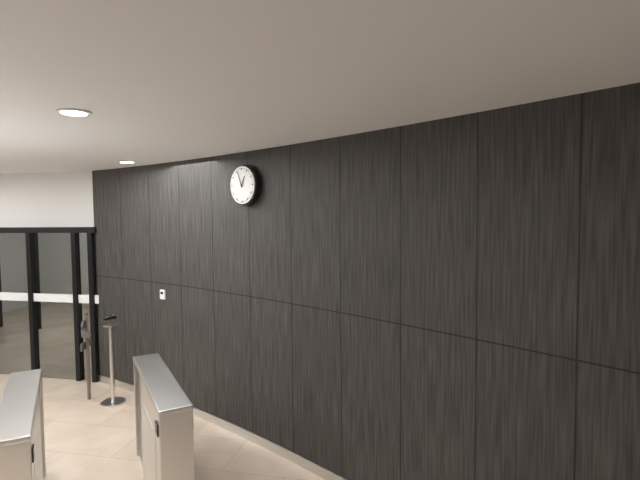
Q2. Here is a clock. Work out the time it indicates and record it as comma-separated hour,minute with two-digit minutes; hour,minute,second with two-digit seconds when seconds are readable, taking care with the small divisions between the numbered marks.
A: 12,56
